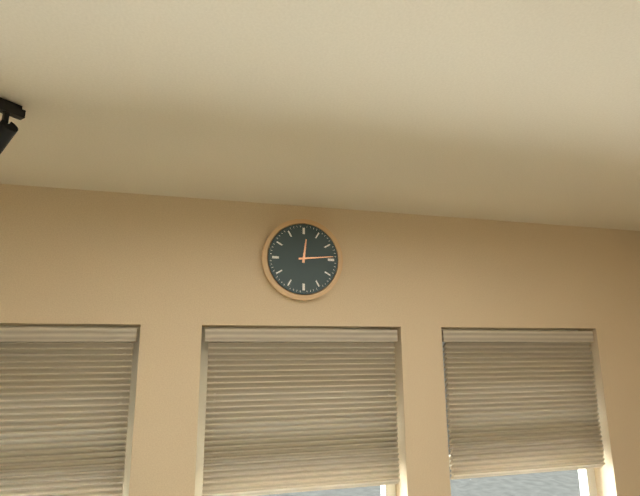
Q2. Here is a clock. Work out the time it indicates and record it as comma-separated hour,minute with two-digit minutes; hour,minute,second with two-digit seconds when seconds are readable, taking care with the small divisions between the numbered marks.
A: 12,14
